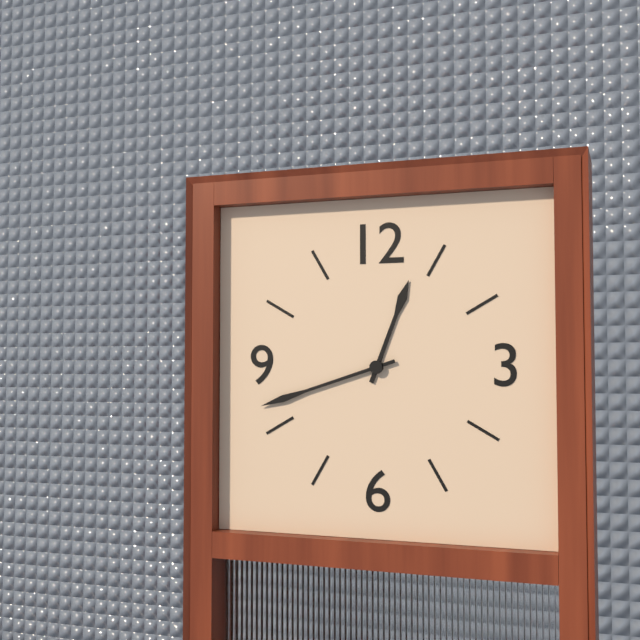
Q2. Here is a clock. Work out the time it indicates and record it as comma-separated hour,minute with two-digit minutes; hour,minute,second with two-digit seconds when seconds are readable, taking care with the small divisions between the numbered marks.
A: 12,42
